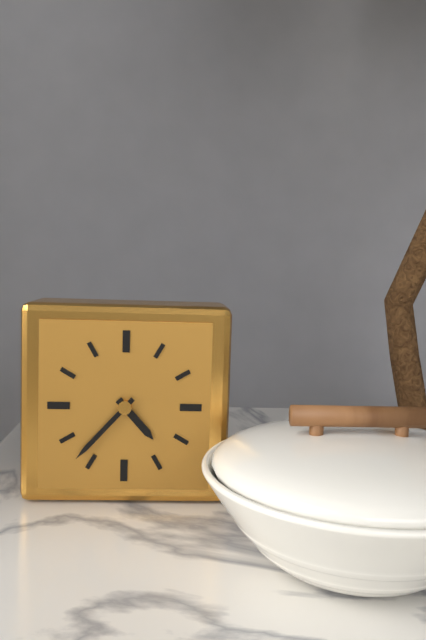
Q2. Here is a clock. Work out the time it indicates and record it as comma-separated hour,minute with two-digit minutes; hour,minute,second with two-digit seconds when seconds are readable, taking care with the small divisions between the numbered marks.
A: 4,37
